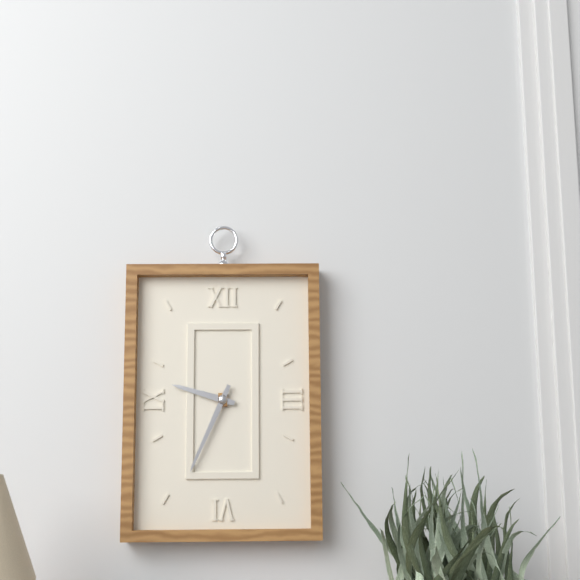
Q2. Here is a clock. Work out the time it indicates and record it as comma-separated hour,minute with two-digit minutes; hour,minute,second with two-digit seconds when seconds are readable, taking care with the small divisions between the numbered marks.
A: 9,34
